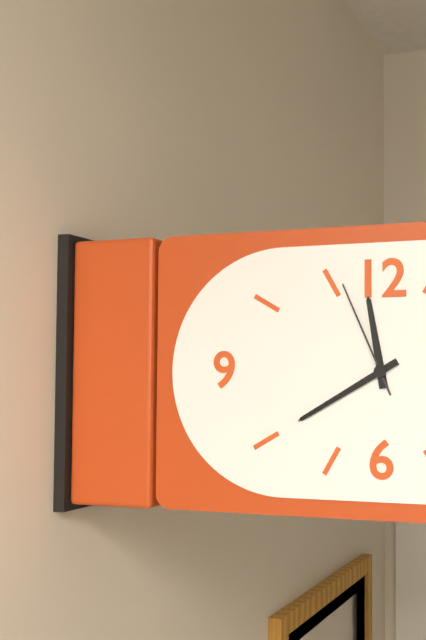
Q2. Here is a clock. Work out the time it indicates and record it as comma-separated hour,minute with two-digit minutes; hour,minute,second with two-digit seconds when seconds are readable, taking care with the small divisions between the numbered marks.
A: 11,40,56
